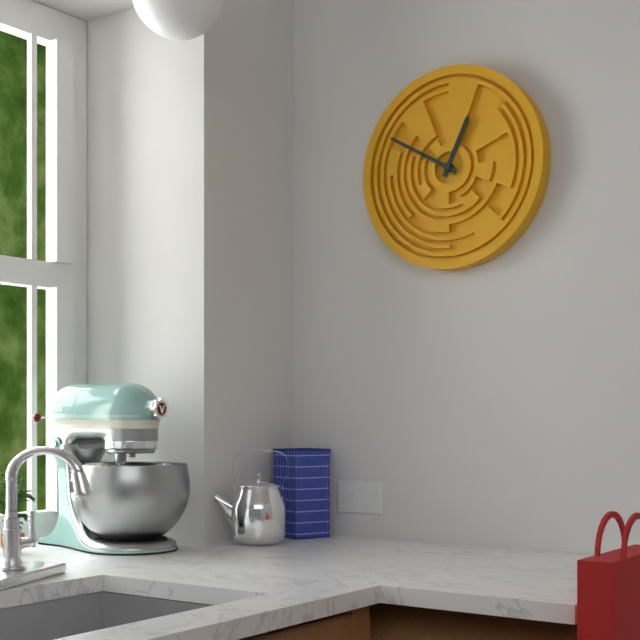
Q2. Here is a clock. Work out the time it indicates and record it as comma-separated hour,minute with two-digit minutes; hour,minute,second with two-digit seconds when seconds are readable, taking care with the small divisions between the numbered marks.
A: 12,50
